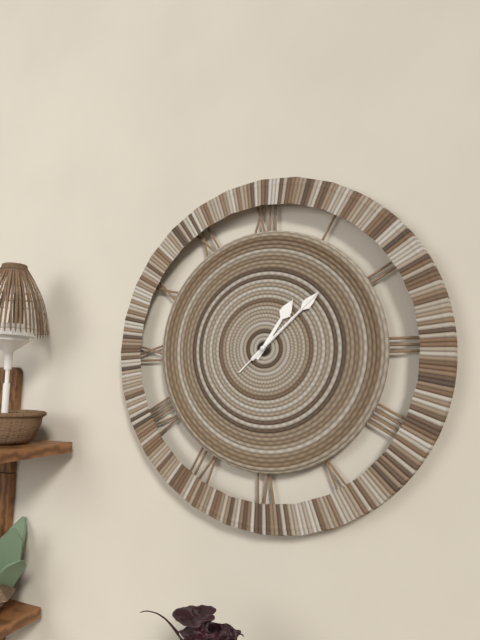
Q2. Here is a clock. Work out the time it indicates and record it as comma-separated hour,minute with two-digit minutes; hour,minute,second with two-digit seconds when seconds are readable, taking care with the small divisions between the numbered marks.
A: 1,08,08
